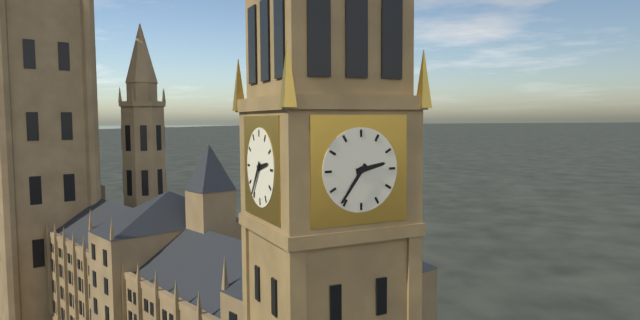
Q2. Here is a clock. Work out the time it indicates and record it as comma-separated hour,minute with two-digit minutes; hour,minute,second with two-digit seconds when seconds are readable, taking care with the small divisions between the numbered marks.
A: 2,36
